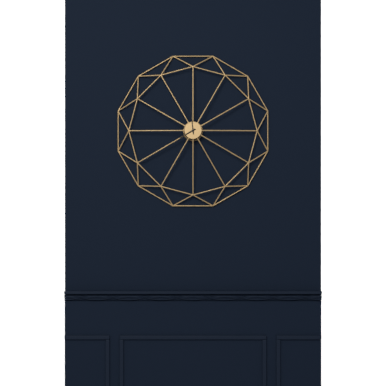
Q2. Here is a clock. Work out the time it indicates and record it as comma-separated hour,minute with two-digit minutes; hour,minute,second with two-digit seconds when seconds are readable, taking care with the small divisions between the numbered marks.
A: 7,59
